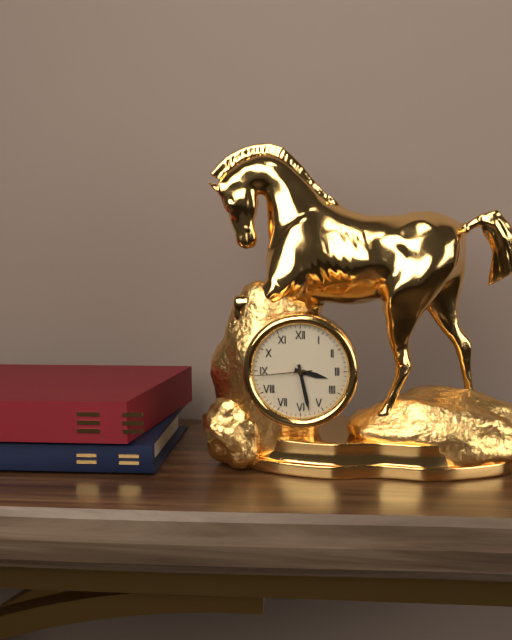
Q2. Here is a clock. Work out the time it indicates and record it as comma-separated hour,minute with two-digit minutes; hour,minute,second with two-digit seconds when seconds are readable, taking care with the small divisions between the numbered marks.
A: 3,28,44
